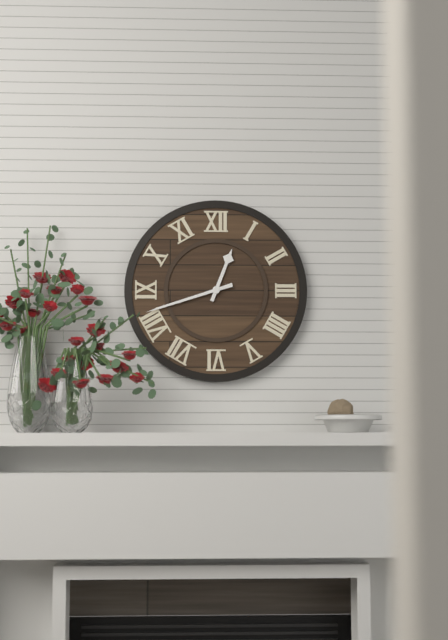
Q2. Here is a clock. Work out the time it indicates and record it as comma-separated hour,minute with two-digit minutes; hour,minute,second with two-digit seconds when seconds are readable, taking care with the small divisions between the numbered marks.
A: 12,42
